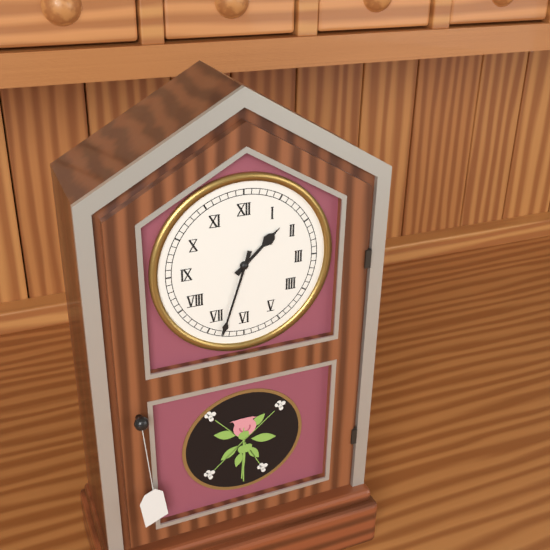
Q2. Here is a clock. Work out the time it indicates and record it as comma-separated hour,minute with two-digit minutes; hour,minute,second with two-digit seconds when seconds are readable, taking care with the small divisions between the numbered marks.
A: 1,33
